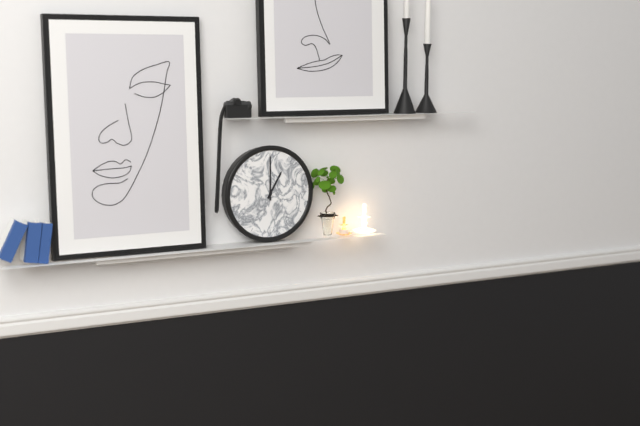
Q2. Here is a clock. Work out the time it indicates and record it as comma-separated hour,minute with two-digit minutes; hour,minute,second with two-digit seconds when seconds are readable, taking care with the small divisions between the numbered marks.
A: 1,00
